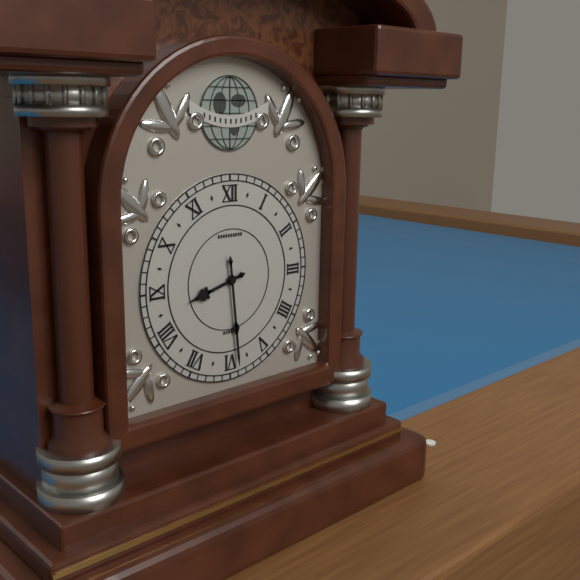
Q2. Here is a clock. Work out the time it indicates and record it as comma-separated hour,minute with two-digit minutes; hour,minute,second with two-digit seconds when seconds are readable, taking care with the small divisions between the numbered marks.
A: 8,29
